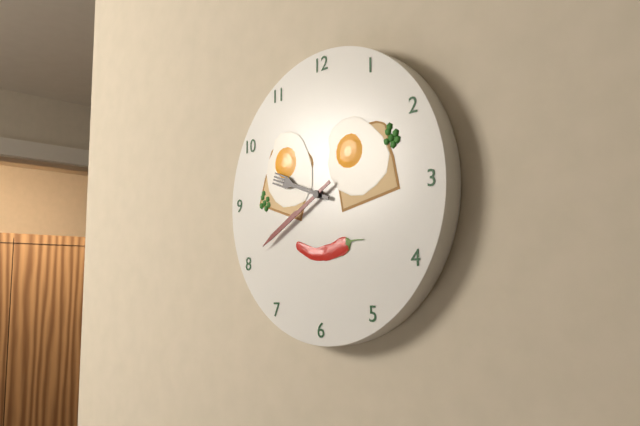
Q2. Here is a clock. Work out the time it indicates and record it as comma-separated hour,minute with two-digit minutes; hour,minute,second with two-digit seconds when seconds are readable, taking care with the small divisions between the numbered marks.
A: 9,40
